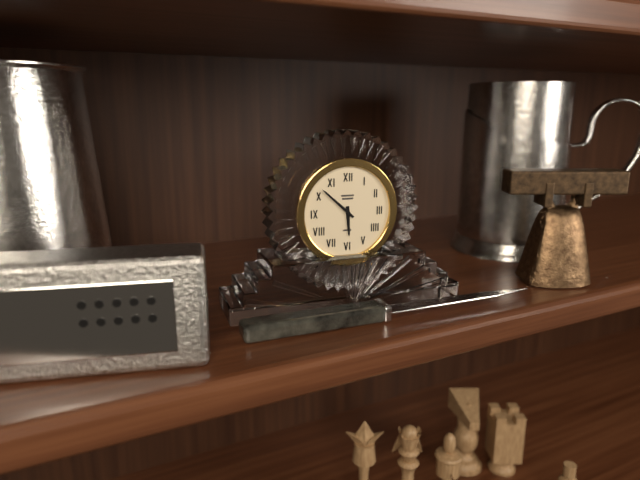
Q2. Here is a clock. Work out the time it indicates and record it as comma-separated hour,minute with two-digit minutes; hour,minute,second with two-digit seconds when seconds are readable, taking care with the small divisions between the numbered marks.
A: 5,52
